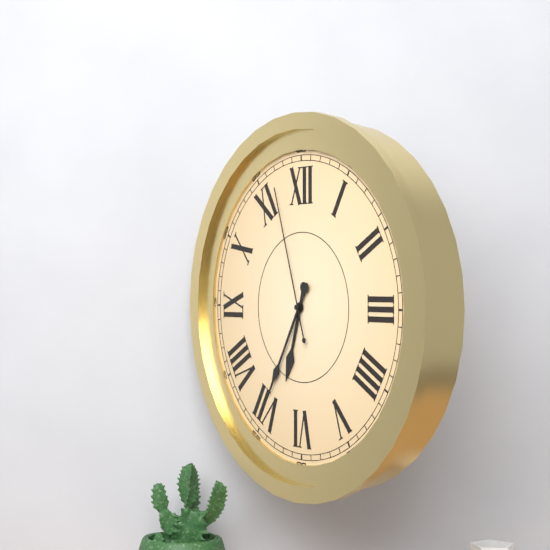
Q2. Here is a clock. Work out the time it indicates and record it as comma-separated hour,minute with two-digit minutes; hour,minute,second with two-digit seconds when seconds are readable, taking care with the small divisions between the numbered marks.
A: 6,35,57
